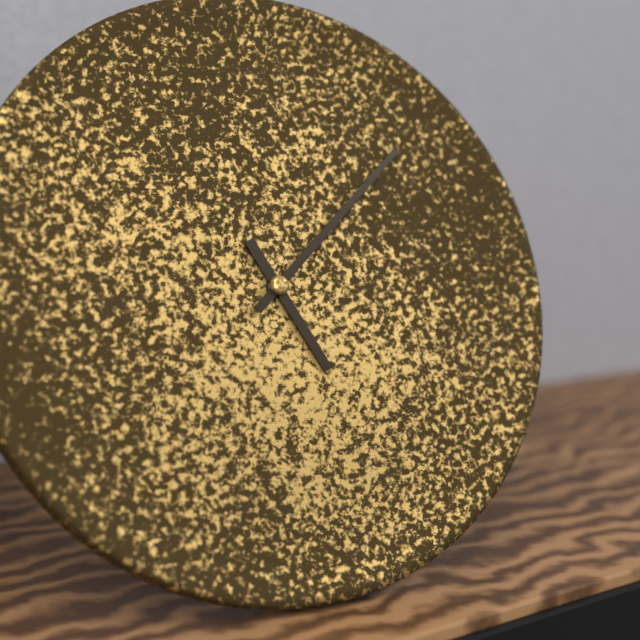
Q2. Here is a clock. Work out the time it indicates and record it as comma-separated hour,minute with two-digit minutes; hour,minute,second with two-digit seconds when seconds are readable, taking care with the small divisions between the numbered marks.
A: 5,08
